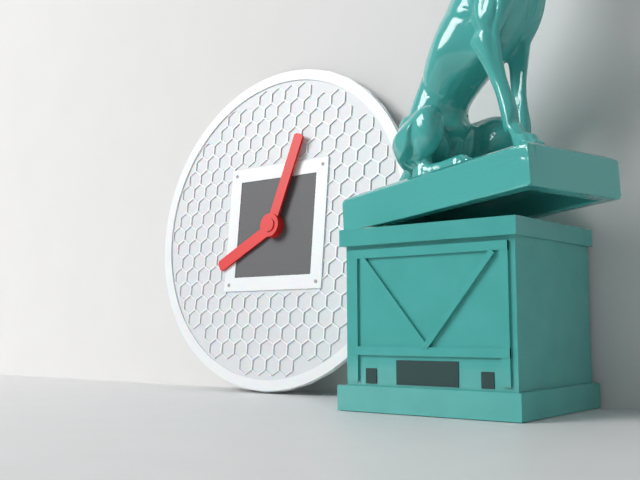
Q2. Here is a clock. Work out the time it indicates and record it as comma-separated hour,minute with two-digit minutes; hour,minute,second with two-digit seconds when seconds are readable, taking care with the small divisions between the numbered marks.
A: 8,03
